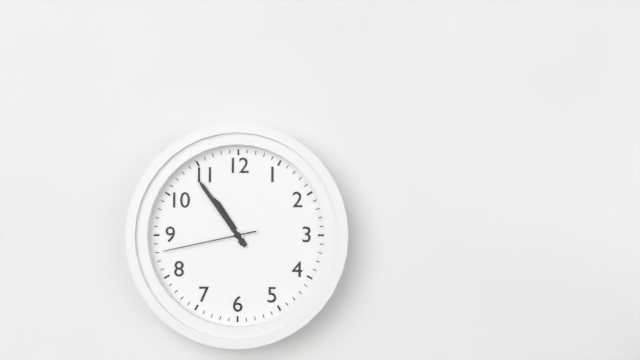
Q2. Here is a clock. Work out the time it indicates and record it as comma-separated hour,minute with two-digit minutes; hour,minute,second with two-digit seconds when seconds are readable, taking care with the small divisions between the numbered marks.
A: 10,54,43
